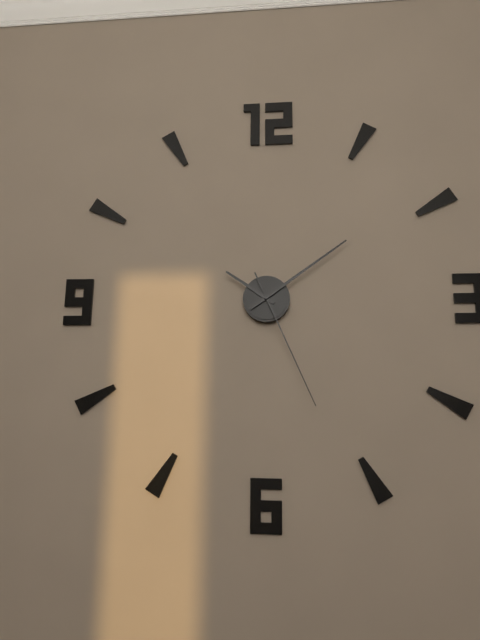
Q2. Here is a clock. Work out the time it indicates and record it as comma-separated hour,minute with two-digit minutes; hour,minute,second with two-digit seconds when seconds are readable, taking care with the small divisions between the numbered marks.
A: 10,09,26
